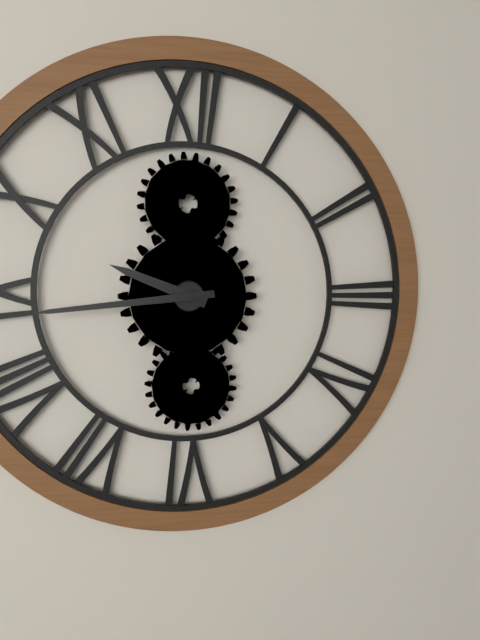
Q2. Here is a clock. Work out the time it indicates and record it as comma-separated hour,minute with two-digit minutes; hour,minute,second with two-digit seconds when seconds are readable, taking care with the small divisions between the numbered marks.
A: 9,44
